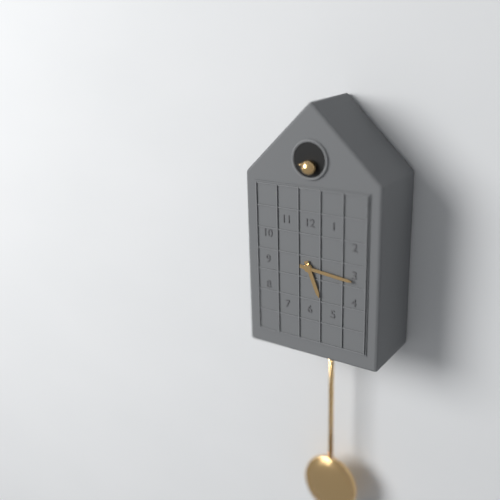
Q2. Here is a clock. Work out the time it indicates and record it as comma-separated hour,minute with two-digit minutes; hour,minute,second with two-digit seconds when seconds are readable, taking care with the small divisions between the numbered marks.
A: 5,16
